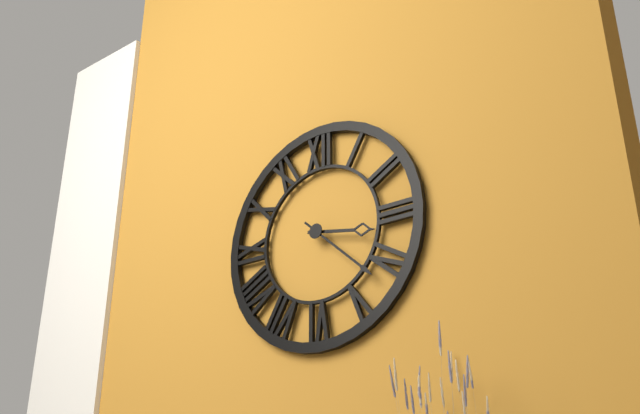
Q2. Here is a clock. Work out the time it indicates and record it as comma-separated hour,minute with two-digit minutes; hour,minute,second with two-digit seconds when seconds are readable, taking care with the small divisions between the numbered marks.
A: 3,22
